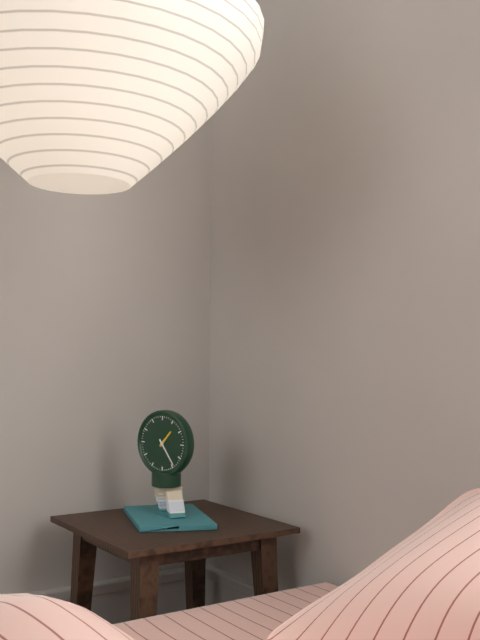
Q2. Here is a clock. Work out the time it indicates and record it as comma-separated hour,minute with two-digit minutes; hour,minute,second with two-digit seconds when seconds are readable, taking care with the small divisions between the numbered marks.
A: 1,24
